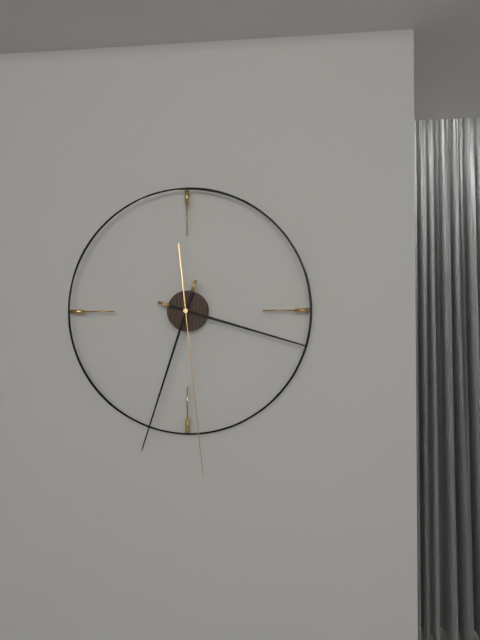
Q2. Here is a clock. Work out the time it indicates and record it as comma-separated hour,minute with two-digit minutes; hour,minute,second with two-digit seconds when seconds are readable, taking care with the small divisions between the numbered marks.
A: 3,33,29
